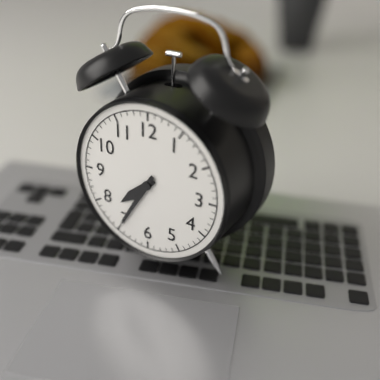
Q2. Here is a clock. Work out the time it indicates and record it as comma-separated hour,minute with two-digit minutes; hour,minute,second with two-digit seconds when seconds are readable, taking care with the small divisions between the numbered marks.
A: 7,35
